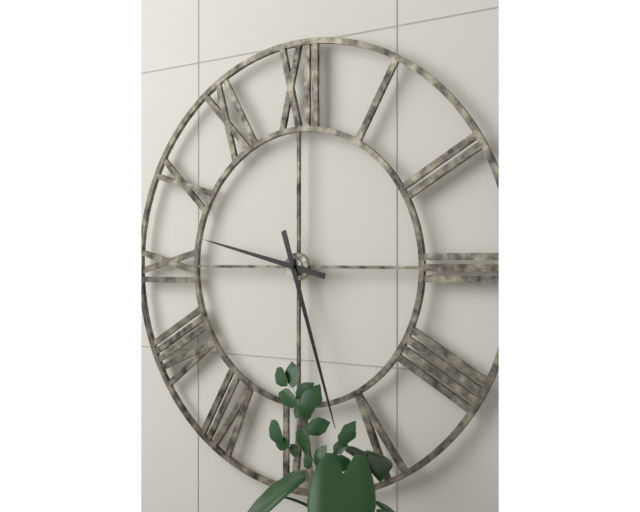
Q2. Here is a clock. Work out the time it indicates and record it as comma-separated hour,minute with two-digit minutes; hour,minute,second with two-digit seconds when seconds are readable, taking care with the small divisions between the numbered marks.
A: 9,27
